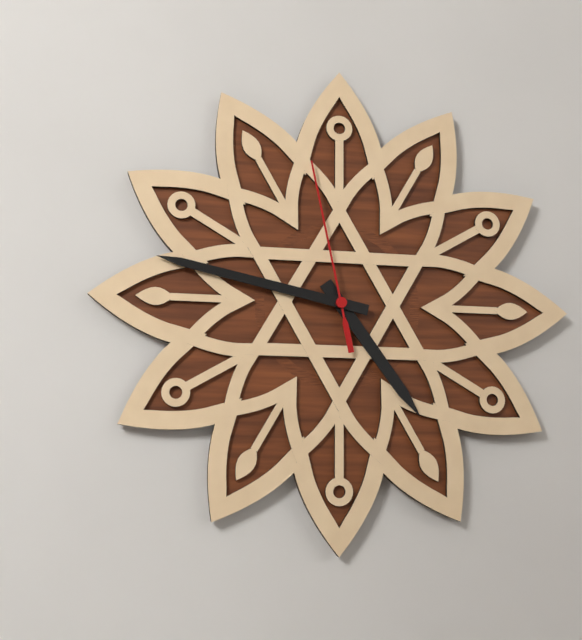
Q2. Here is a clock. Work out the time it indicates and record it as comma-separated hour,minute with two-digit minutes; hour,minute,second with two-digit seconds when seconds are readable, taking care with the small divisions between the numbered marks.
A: 4,47,58
